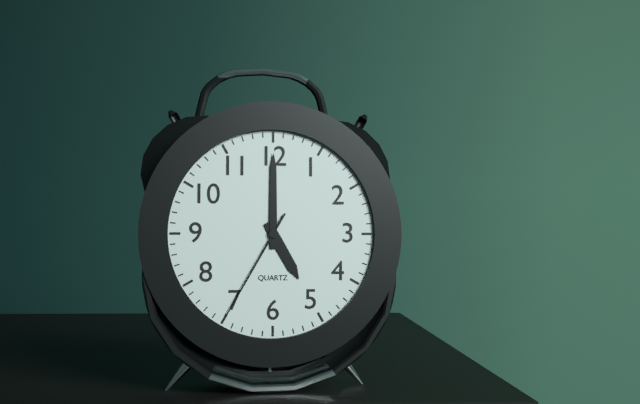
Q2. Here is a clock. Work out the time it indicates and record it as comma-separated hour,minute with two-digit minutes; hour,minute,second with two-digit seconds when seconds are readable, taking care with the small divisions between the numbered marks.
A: 5,00,35
